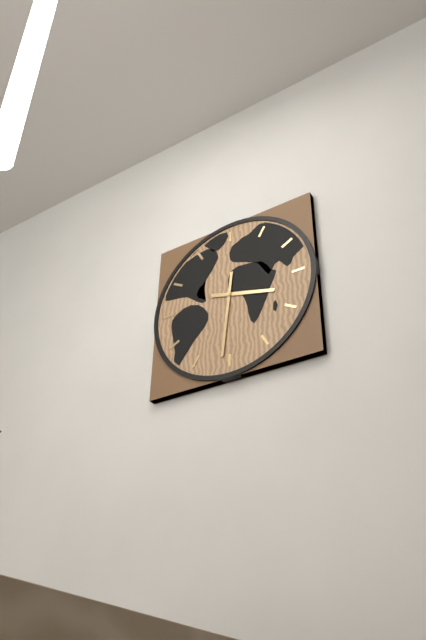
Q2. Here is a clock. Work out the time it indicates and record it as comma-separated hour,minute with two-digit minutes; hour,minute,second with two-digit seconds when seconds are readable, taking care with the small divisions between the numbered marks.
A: 3,31
